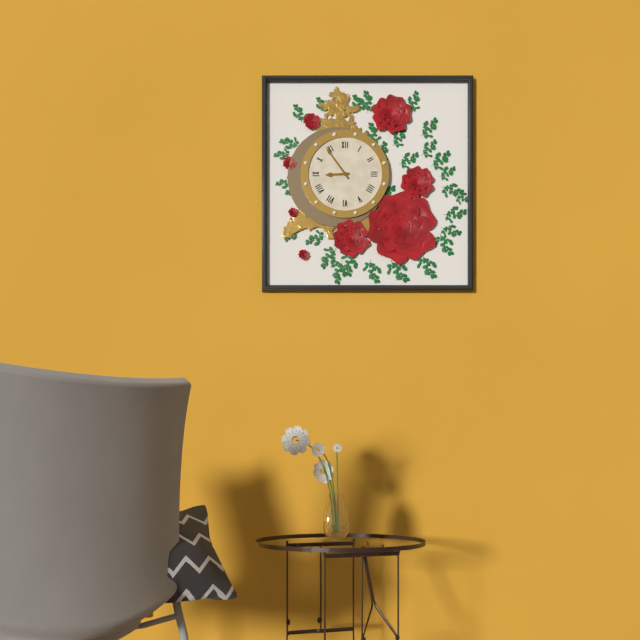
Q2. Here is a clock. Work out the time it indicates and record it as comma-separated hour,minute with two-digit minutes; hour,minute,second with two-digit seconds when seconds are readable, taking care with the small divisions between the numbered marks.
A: 8,54
